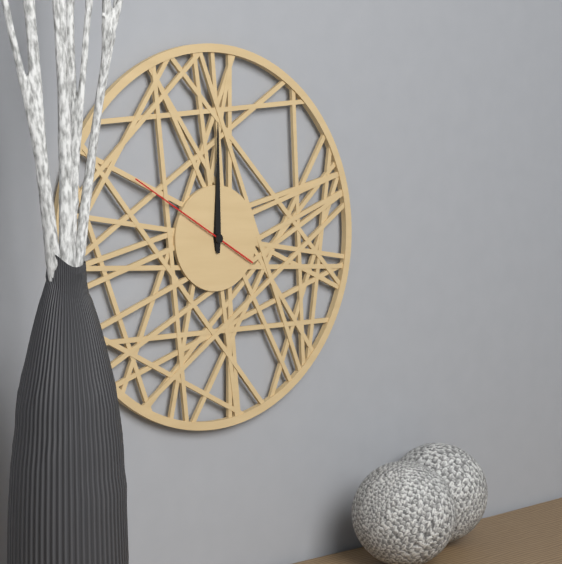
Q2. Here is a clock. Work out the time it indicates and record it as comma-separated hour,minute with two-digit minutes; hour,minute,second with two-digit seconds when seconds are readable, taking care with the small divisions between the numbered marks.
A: 12,00,50
